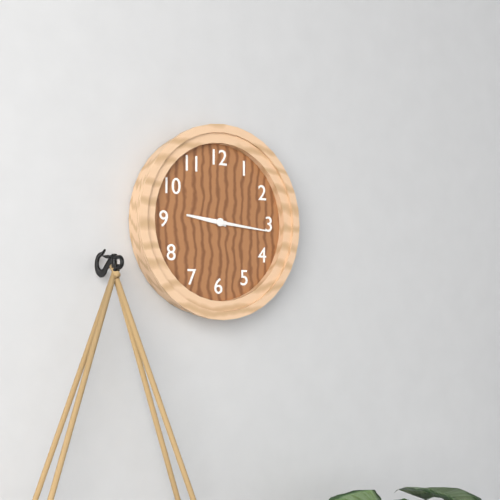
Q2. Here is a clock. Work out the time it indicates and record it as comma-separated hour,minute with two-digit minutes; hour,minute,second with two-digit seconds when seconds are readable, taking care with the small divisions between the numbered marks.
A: 9,16
